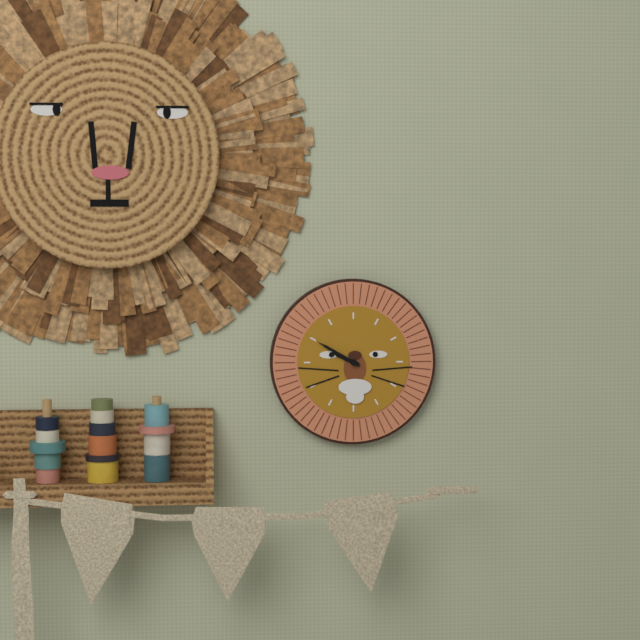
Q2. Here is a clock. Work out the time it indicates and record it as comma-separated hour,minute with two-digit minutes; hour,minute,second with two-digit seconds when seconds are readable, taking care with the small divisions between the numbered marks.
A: 9,50
